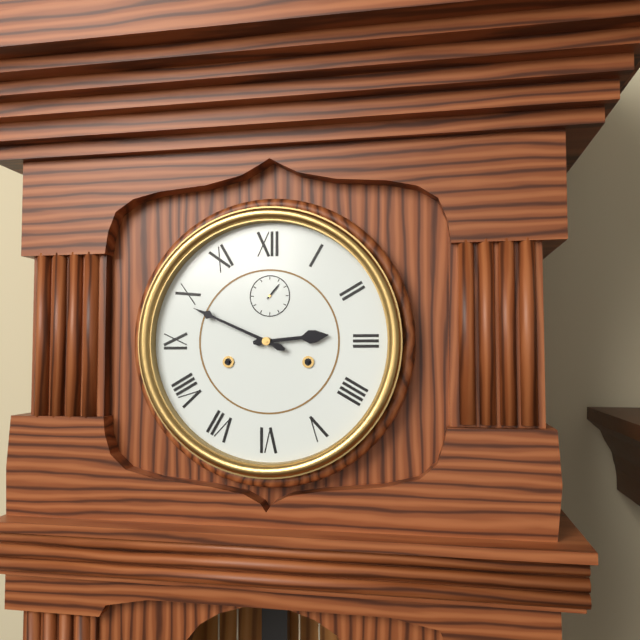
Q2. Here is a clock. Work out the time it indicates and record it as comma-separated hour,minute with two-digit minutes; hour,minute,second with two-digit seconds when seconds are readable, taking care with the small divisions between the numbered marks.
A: 2,49
